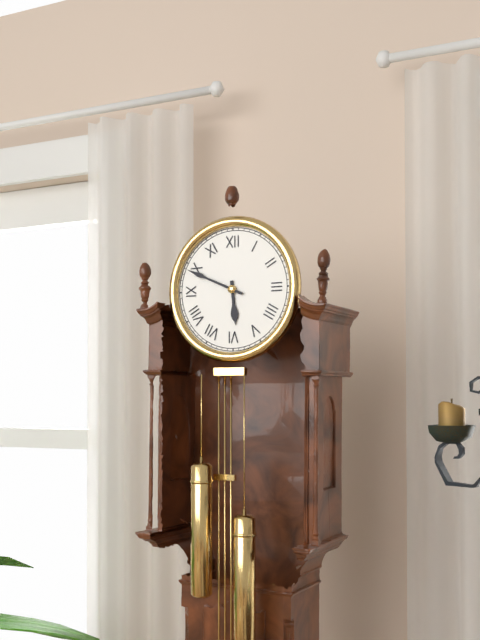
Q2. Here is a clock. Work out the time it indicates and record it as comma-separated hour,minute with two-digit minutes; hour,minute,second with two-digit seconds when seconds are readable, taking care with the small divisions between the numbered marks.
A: 5,49
